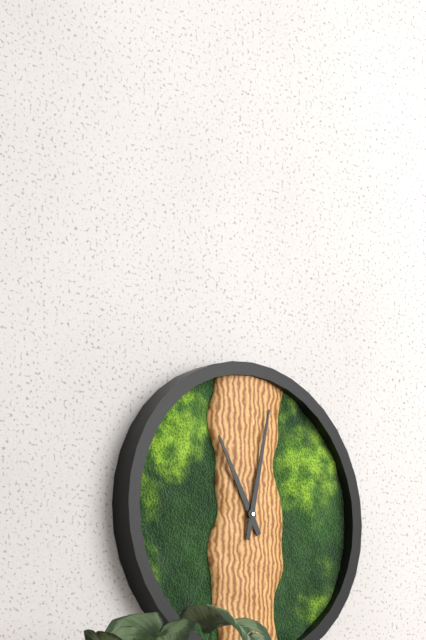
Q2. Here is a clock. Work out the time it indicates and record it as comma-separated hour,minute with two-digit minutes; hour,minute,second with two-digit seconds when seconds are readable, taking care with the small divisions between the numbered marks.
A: 11,02
